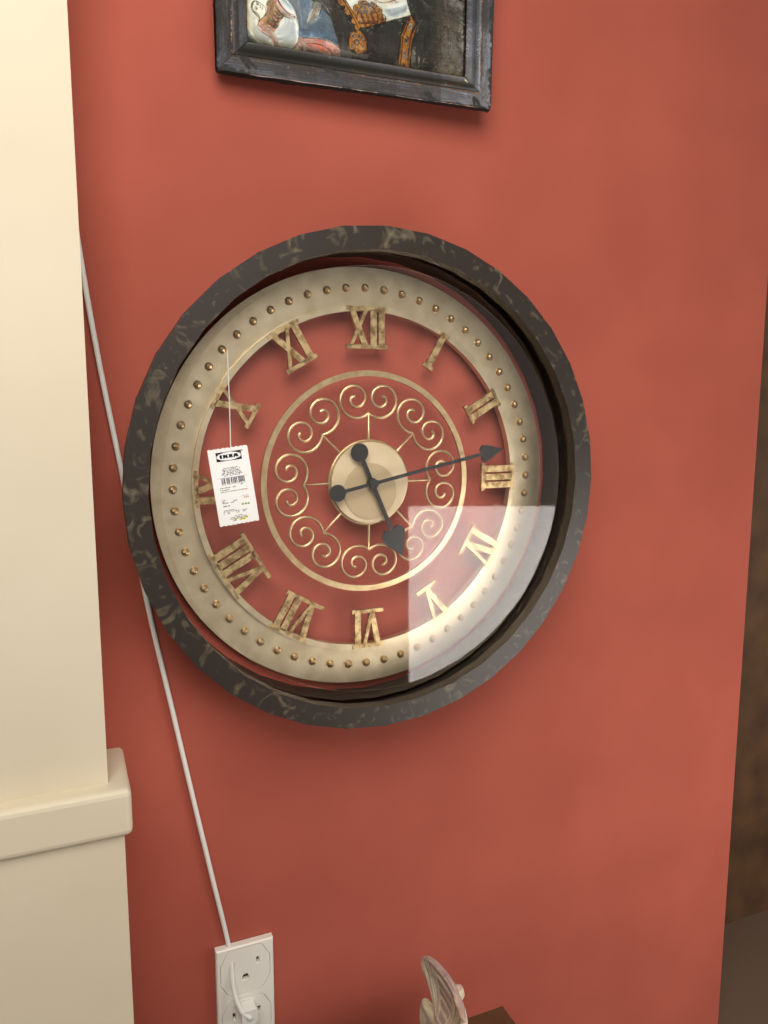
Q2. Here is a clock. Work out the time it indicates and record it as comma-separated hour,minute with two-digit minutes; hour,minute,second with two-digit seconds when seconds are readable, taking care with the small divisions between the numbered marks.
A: 5,13
